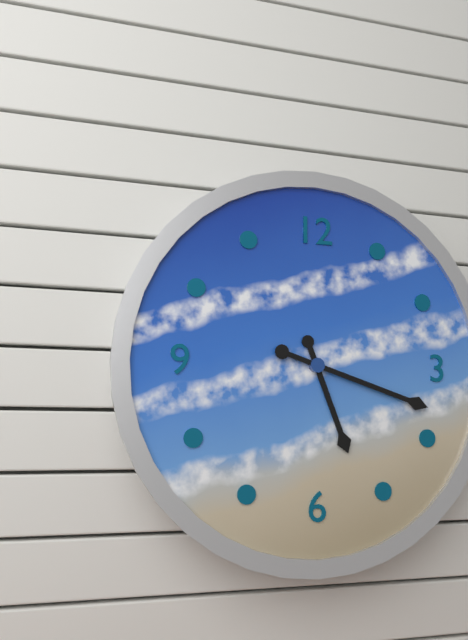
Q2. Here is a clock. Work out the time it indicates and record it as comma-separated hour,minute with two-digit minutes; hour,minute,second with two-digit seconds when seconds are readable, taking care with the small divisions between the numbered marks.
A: 5,18
